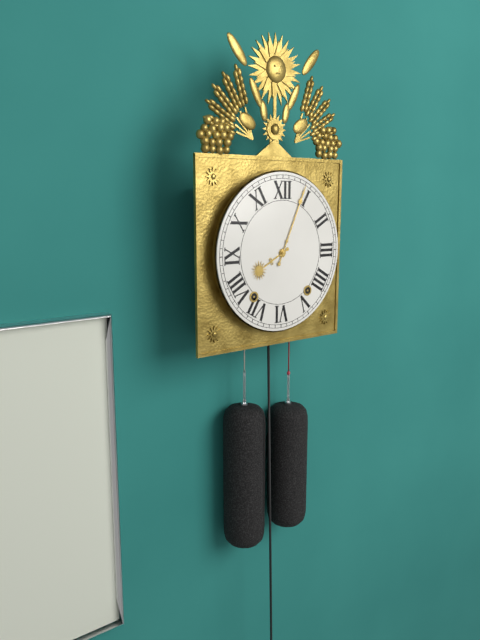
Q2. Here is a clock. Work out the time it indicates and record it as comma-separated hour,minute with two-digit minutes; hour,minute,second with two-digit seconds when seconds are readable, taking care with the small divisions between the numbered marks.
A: 8,04
